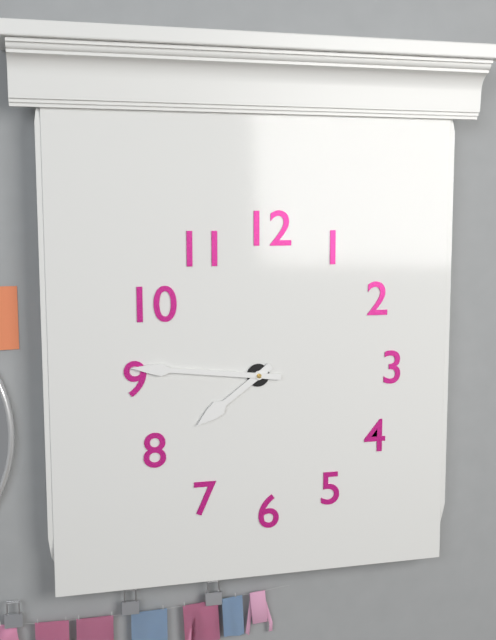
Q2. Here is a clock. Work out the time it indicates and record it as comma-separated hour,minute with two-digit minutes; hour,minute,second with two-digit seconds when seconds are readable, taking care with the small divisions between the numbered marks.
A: 7,46
